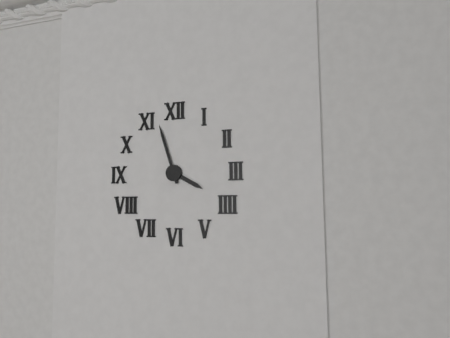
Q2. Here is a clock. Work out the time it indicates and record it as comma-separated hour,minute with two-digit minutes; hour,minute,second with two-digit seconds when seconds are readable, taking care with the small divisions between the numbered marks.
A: 3,57
